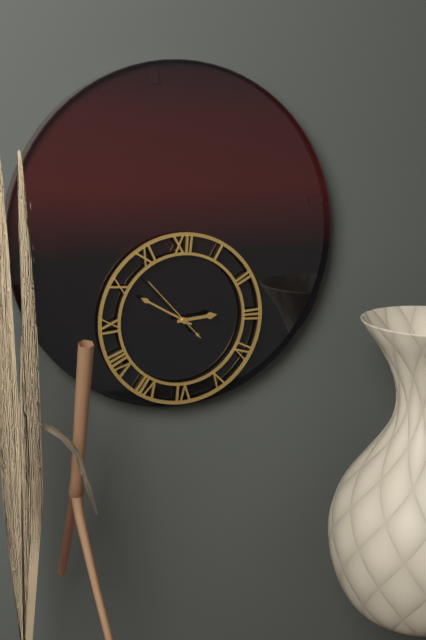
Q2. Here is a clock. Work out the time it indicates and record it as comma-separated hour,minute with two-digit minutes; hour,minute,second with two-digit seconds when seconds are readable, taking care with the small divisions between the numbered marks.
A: 2,50,53
